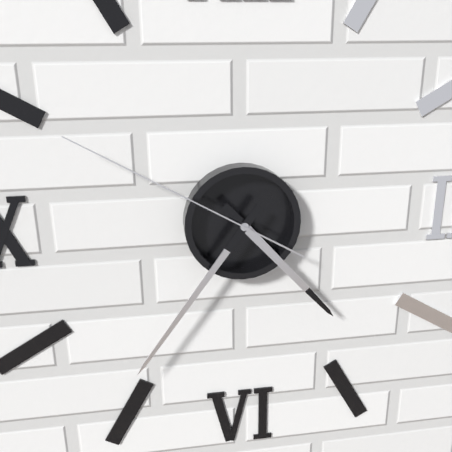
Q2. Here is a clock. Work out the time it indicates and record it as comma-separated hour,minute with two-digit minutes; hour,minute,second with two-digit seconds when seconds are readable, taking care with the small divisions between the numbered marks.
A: 4,36,50
